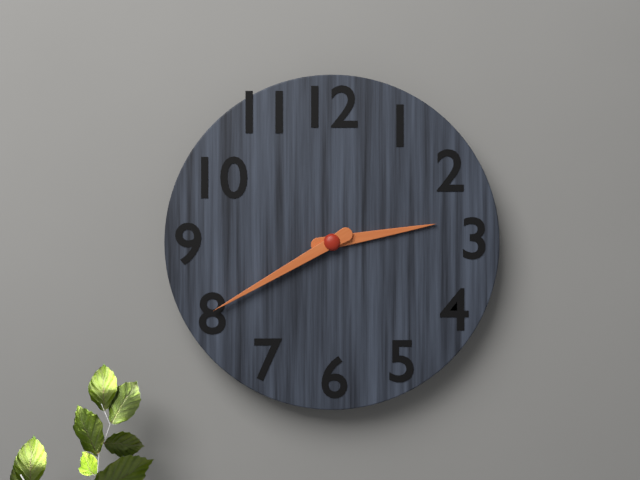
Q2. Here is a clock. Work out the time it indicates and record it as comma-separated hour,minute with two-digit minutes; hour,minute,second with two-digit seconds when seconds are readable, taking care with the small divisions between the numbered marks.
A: 2,40
